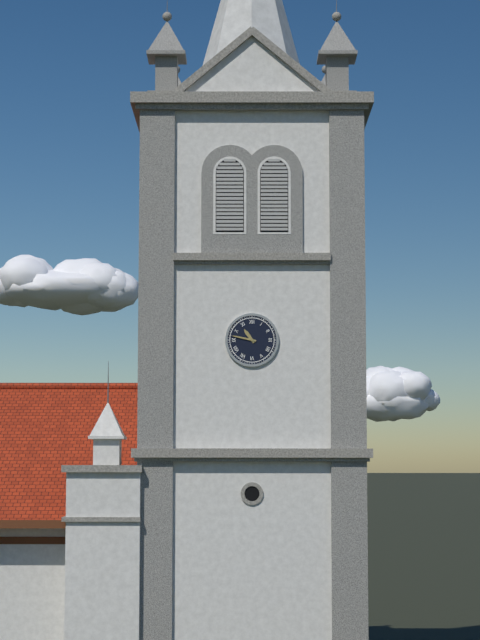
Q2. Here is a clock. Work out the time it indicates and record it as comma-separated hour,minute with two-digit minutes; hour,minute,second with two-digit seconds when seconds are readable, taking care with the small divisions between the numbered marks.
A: 10,47
